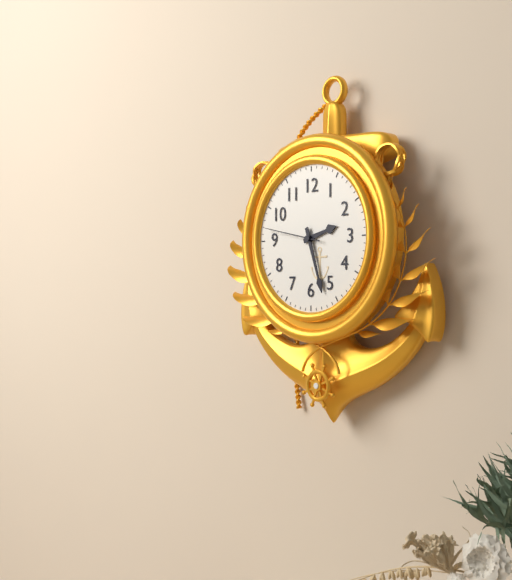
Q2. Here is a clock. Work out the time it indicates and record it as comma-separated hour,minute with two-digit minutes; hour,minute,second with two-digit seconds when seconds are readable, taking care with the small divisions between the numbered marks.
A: 2,27,47
